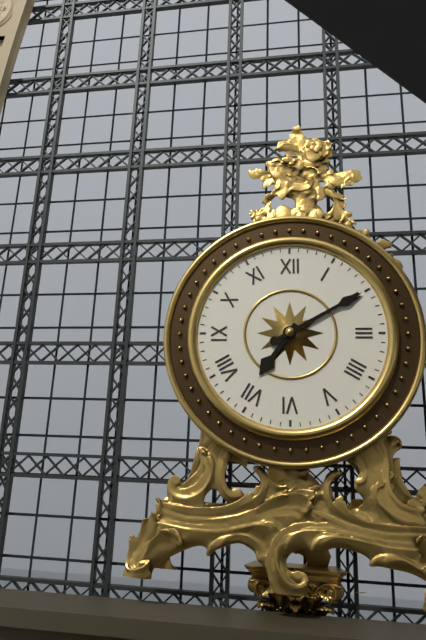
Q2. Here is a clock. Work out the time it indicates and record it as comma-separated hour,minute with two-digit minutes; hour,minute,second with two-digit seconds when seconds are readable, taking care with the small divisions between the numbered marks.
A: 7,10
